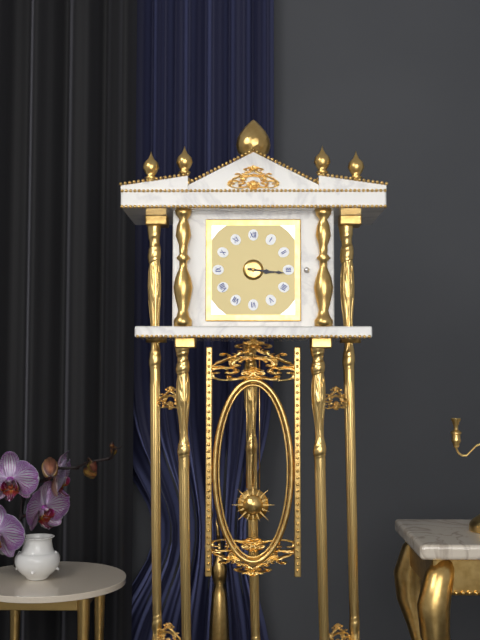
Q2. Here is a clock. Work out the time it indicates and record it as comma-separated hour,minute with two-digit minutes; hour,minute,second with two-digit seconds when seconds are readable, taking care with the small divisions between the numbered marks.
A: 3,16
